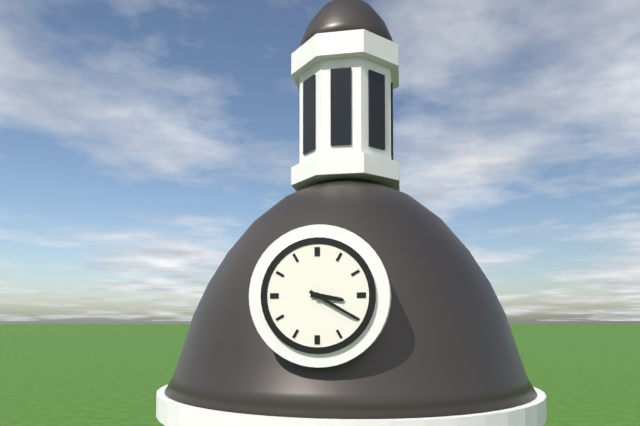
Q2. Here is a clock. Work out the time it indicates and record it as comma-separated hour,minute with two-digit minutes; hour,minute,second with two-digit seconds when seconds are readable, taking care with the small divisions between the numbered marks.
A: 3,20
